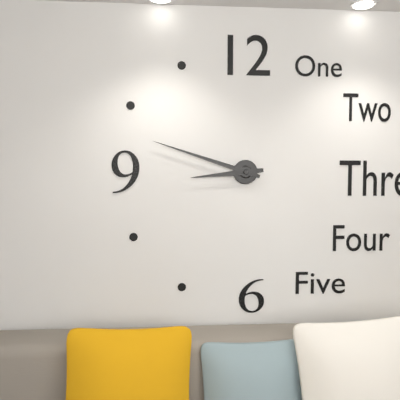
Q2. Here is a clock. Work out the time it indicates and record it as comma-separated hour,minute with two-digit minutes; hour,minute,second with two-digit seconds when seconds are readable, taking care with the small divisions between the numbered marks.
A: 8,48
